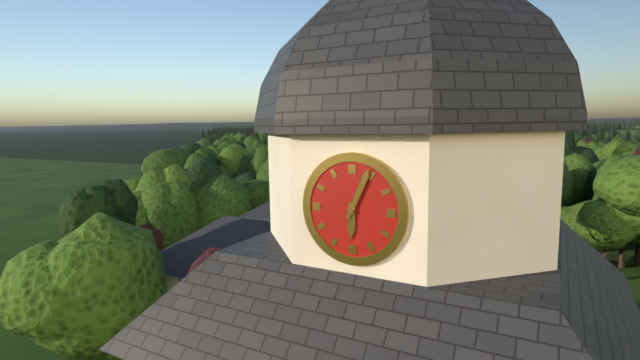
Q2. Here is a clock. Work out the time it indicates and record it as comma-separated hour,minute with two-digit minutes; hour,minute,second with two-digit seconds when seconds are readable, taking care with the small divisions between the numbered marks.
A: 6,04
